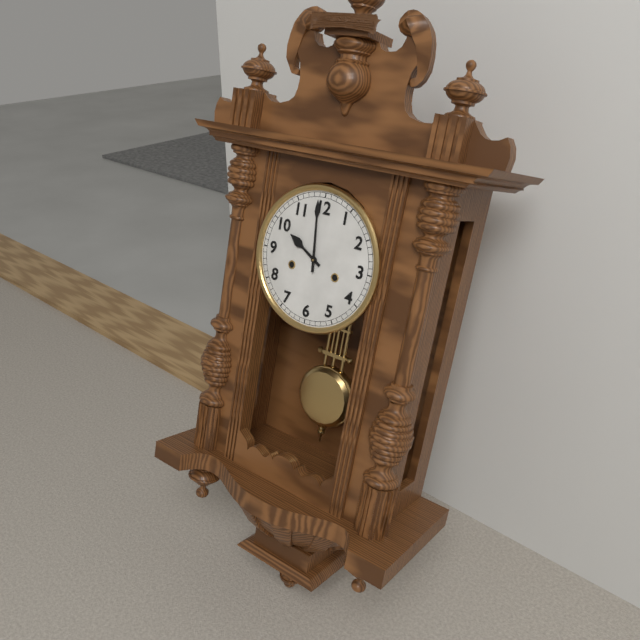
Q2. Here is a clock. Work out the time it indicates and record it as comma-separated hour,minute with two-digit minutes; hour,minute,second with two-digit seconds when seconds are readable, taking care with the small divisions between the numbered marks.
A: 9,59
